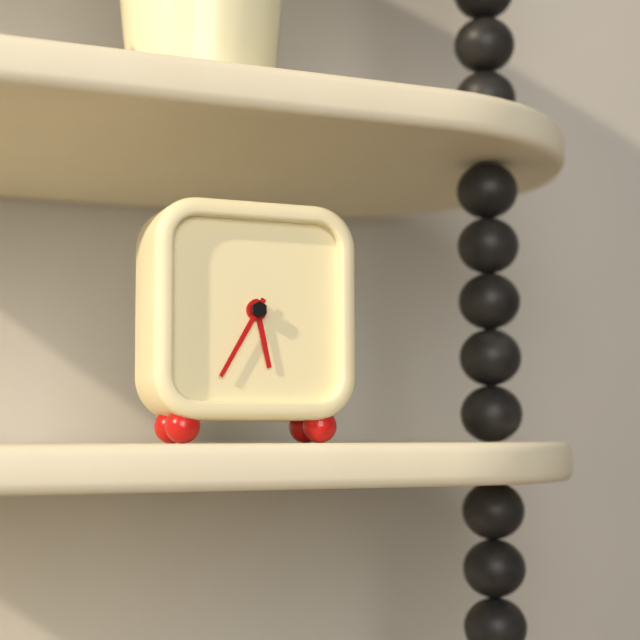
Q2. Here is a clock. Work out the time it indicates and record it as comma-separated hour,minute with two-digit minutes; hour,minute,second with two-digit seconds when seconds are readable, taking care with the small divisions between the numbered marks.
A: 5,35
